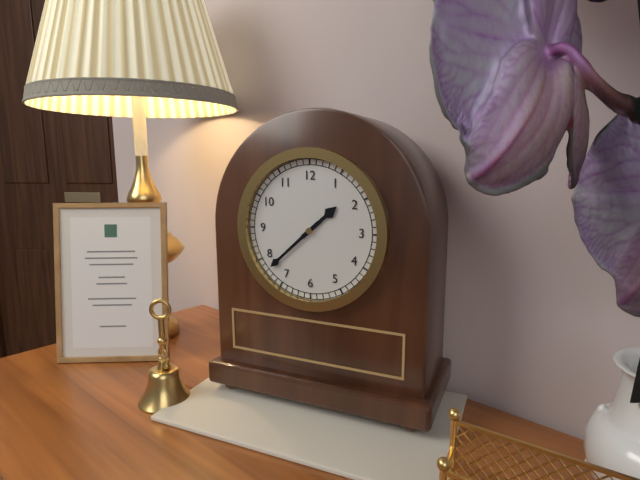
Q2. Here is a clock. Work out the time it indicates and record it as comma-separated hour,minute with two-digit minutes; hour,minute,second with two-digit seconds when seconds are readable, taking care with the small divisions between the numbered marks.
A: 1,38
